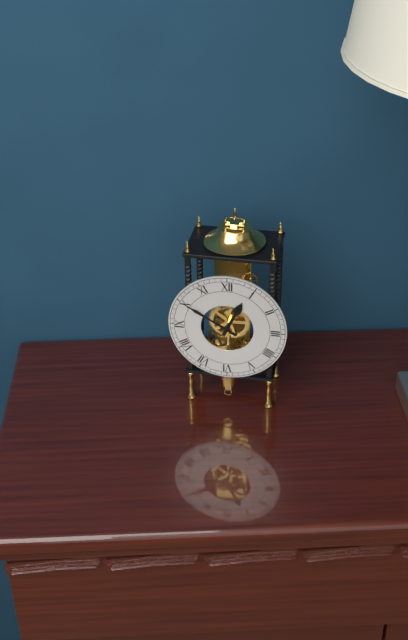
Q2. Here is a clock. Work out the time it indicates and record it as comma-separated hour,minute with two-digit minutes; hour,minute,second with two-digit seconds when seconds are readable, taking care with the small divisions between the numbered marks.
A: 12,50
